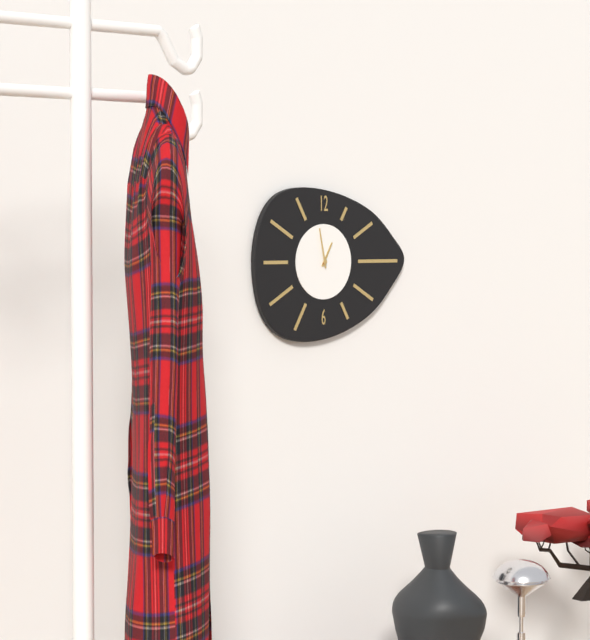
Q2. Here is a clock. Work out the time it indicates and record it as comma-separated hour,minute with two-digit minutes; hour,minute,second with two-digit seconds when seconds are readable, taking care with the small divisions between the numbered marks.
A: 12,58
